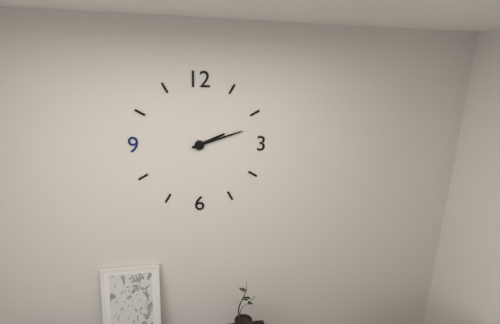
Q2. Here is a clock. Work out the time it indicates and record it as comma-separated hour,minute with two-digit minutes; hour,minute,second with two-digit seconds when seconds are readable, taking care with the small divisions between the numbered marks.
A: 2,12
